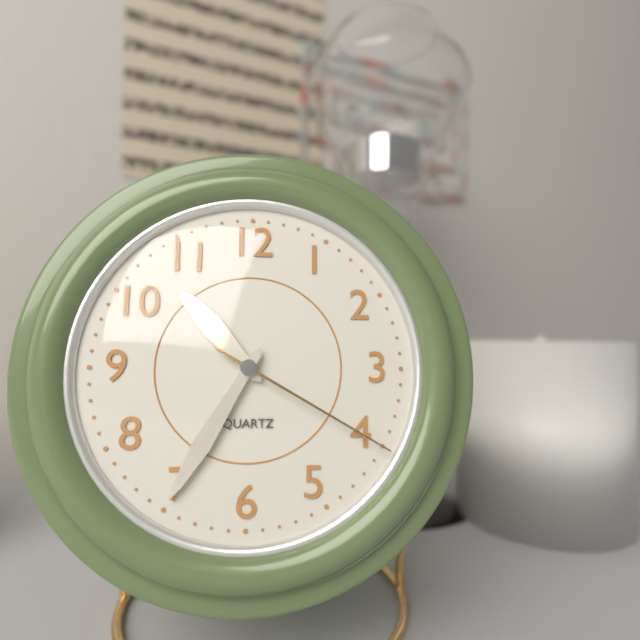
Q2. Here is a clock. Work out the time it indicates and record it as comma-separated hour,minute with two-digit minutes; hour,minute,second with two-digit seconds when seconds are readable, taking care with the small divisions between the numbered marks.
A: 10,35,20
